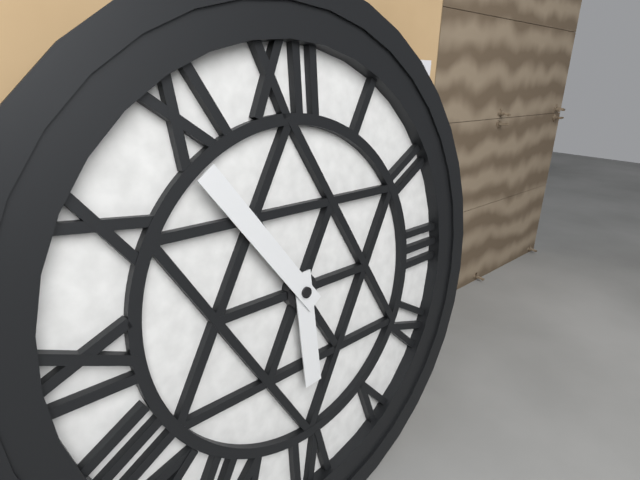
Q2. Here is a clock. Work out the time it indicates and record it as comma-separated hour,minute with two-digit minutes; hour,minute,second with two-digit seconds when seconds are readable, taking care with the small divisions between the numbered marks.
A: 5,54
